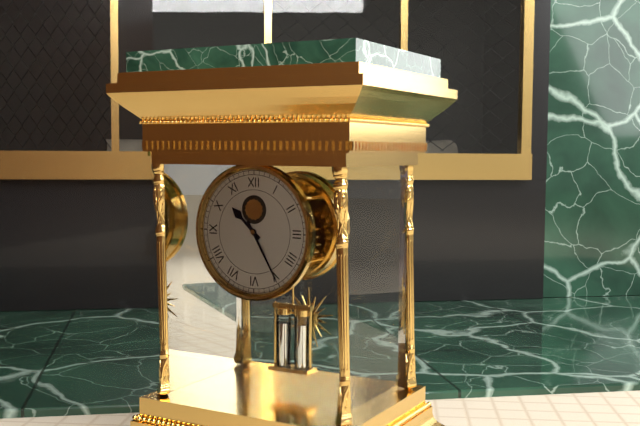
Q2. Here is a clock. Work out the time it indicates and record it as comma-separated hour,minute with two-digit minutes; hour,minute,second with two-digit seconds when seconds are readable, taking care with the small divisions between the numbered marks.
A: 10,25
